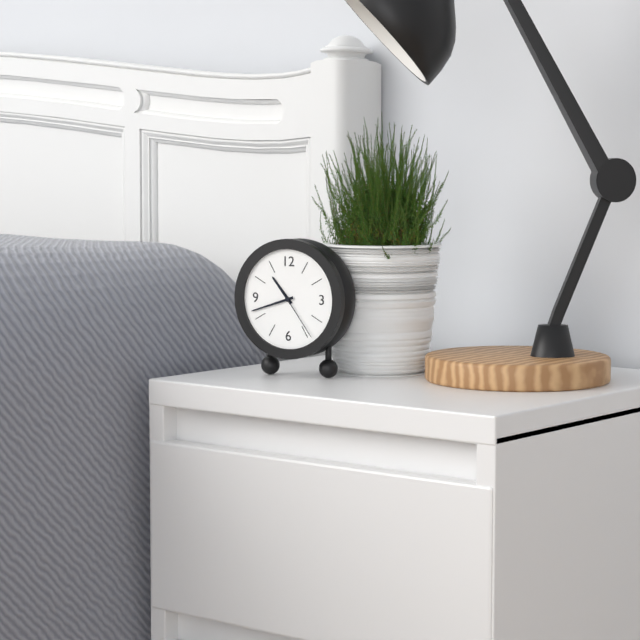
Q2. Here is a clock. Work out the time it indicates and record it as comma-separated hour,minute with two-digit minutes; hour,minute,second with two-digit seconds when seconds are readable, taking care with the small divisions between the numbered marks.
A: 10,42,24
